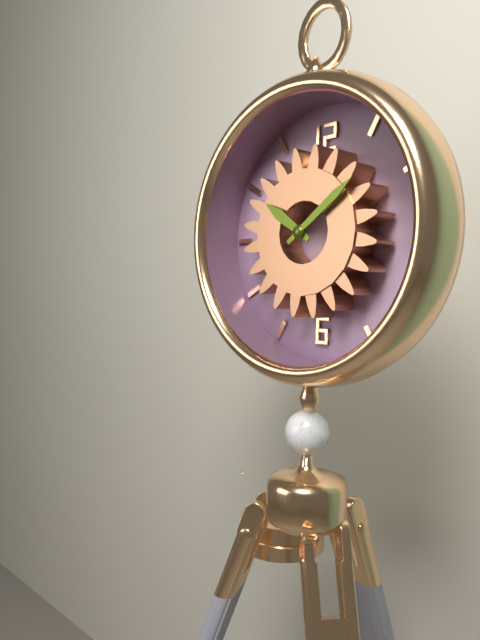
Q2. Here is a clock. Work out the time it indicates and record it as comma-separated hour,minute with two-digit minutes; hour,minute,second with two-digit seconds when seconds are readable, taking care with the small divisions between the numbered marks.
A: 10,09
